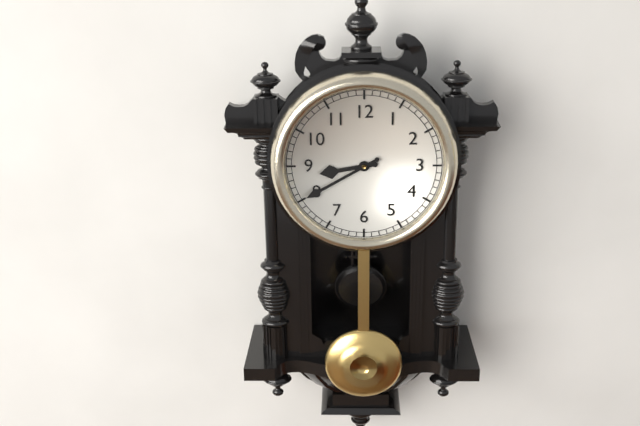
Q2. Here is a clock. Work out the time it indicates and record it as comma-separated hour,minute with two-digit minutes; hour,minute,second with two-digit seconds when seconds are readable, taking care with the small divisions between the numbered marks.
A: 8,40
